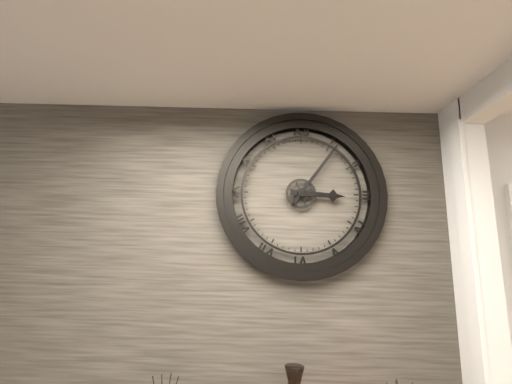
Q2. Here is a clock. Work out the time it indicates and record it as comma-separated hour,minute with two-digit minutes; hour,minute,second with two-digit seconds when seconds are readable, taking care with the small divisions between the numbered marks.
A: 3,06
